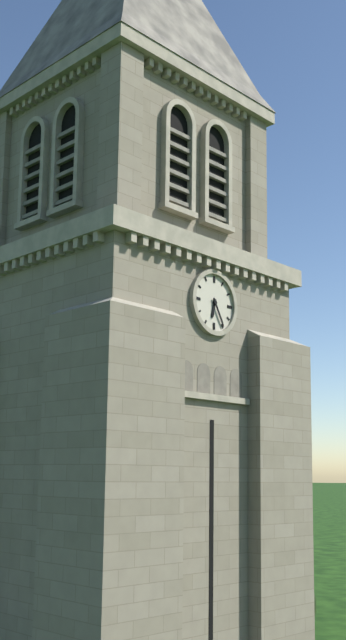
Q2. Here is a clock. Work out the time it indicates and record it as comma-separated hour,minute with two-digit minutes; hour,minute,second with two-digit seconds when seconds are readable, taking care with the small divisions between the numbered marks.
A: 6,25
